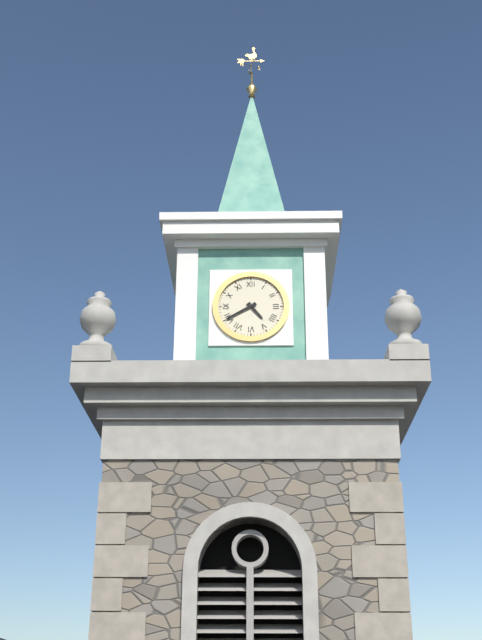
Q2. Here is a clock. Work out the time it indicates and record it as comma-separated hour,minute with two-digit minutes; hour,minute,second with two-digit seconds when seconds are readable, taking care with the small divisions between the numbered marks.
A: 4,40
